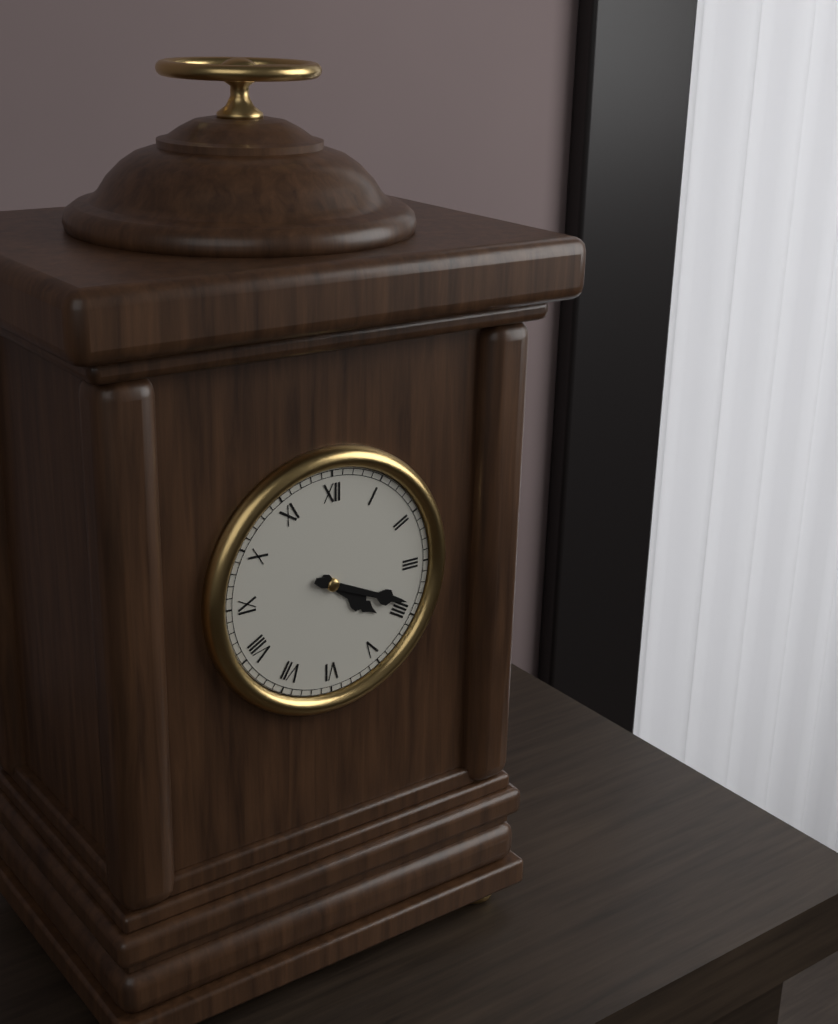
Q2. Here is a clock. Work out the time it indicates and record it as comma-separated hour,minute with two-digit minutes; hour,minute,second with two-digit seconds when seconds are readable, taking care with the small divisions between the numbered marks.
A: 4,19
